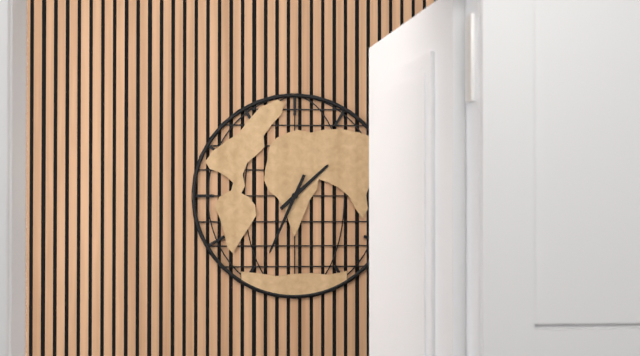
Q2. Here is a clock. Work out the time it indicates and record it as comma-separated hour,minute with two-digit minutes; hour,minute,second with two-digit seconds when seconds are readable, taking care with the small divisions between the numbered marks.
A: 1,34
